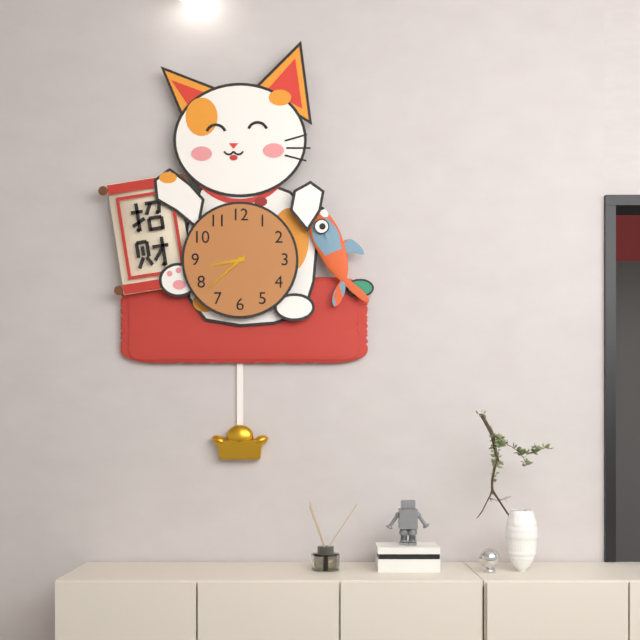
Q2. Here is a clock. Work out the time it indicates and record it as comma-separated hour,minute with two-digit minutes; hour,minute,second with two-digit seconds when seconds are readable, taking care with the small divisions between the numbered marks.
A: 8,38
